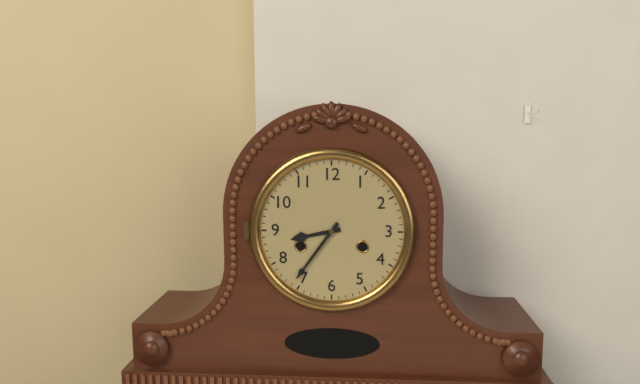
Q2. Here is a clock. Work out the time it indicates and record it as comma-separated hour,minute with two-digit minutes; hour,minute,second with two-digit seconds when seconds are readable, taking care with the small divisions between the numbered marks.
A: 8,36
